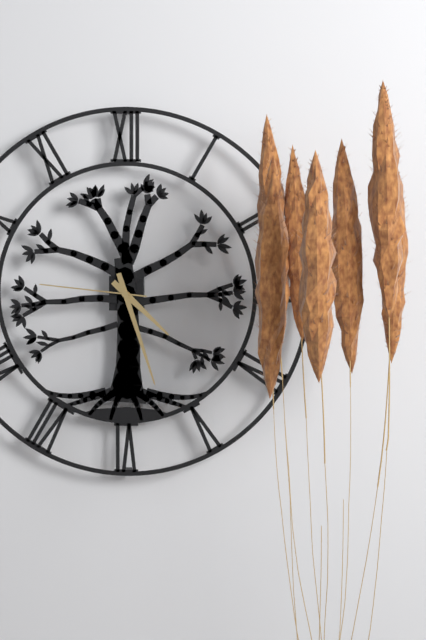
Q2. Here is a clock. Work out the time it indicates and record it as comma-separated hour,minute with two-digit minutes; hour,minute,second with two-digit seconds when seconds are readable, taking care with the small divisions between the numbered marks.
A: 4,27,46
